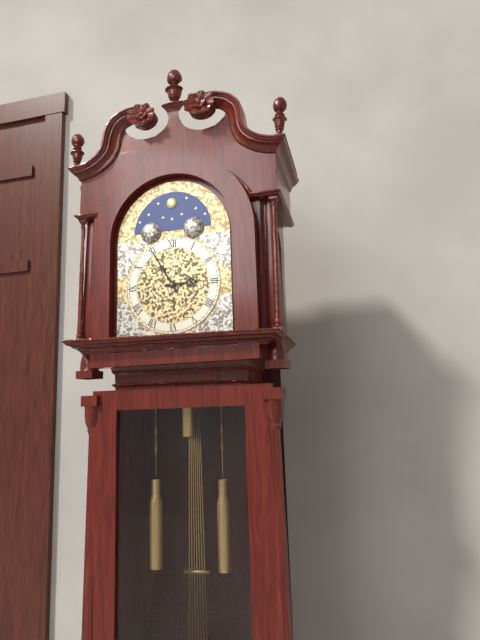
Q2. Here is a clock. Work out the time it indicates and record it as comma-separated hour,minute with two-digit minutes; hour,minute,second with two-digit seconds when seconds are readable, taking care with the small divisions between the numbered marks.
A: 2,55
